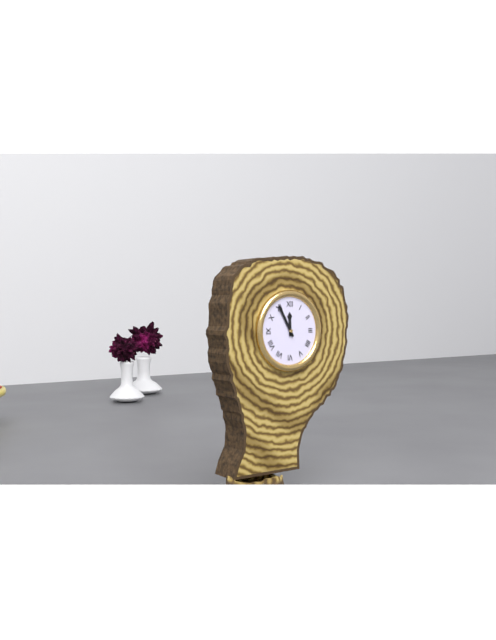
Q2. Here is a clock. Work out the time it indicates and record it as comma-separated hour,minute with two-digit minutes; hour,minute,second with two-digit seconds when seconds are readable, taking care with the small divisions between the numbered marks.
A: 11,55
